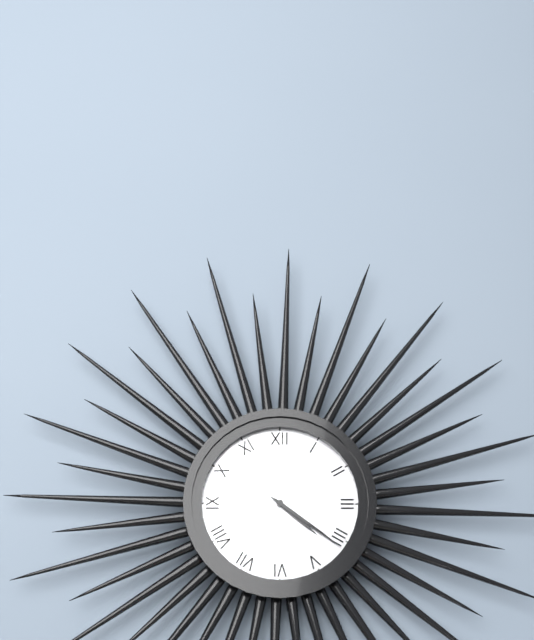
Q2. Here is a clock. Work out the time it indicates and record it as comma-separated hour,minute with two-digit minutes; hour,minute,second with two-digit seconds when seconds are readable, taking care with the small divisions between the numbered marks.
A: 4,21
